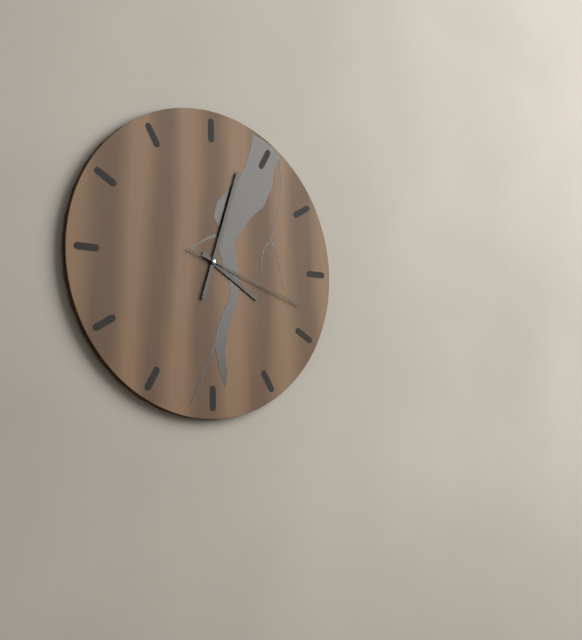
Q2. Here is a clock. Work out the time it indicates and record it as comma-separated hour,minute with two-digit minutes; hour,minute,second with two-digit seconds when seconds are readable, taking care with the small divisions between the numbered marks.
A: 4,03,18
